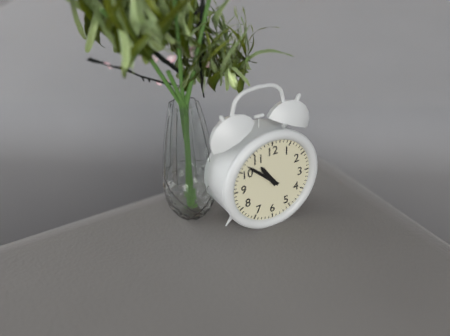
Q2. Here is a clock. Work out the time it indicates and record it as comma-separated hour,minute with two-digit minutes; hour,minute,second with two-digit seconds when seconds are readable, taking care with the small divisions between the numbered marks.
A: 10,52
